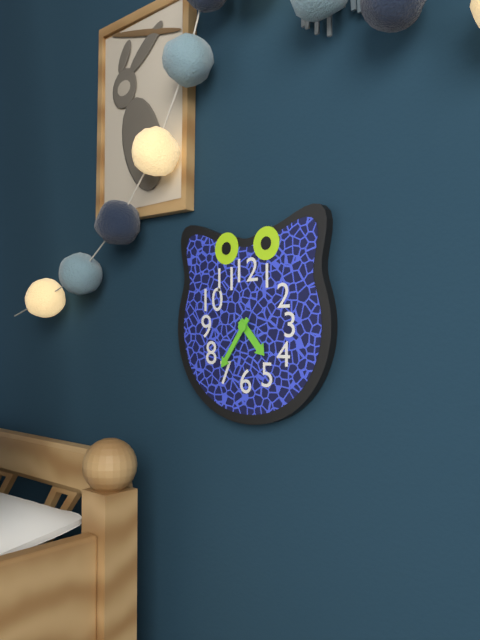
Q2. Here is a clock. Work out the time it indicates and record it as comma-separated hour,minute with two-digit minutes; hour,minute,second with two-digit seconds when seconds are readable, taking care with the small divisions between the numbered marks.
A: 4,36
